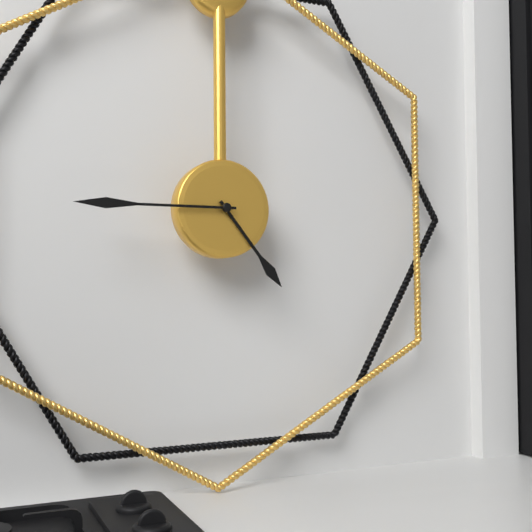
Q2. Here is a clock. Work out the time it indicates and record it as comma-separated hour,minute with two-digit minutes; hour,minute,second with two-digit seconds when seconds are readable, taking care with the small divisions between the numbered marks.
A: 4,45
